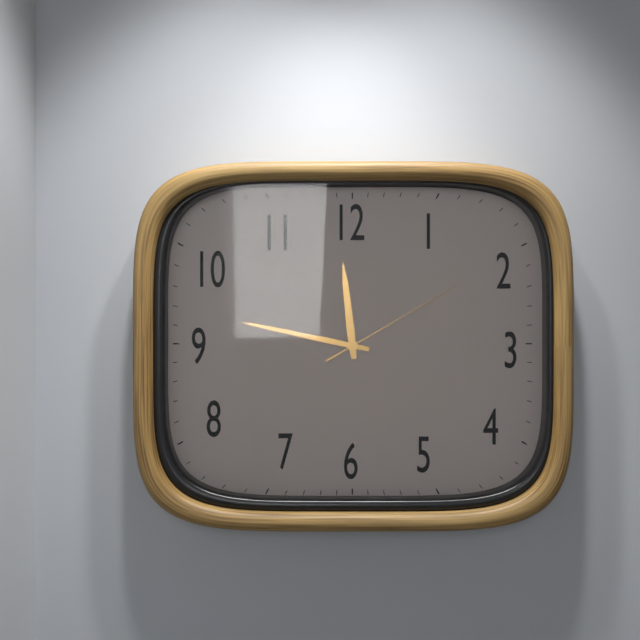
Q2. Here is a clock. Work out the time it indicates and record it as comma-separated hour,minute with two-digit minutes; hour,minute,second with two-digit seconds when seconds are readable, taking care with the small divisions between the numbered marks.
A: 11,47,10
